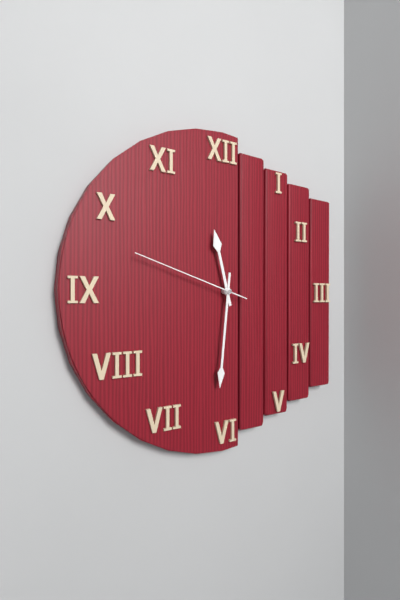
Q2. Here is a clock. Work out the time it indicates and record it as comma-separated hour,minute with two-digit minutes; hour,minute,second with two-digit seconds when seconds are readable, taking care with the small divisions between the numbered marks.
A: 11,31,48
